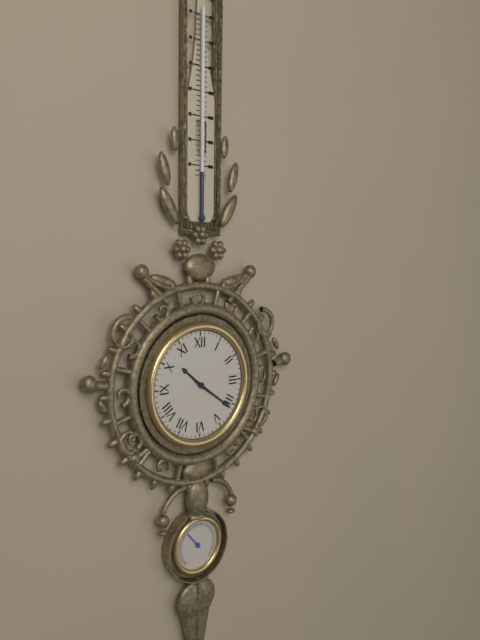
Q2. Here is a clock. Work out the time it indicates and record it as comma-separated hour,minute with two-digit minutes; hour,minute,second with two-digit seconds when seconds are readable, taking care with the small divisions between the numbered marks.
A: 10,21
